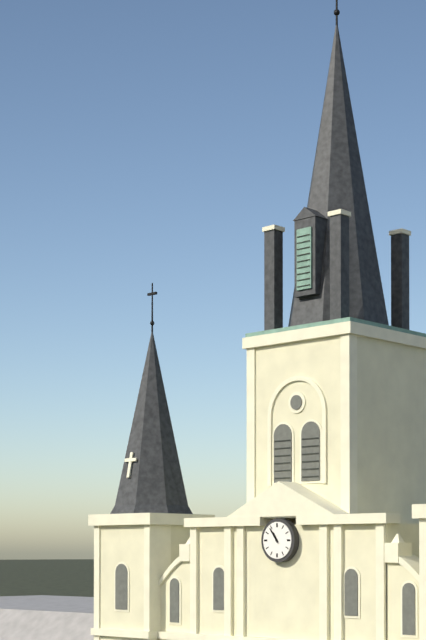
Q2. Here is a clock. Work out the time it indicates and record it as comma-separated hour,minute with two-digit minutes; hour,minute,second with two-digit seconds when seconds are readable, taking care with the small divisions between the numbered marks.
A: 10,54
